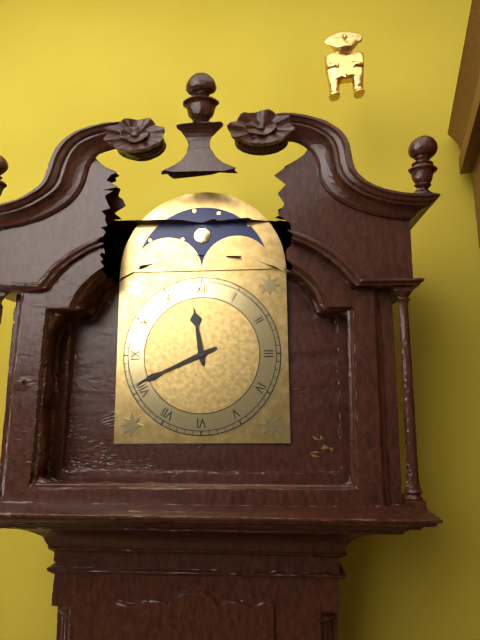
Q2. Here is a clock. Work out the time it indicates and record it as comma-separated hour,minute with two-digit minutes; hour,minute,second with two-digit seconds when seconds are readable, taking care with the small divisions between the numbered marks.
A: 11,41
